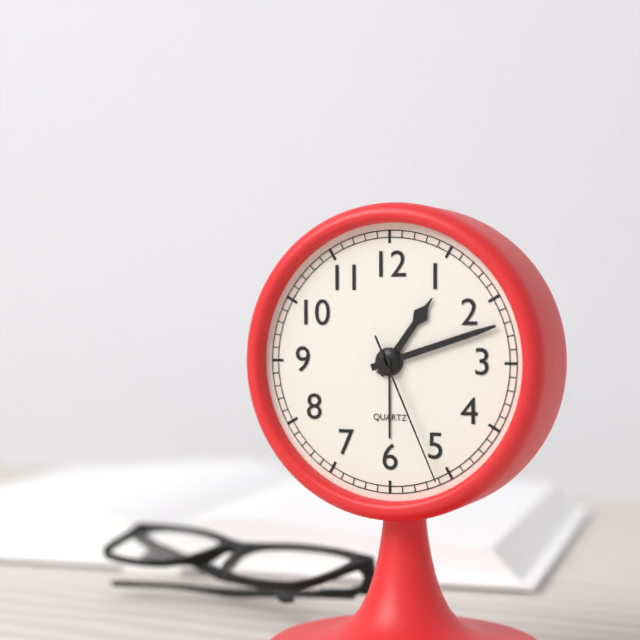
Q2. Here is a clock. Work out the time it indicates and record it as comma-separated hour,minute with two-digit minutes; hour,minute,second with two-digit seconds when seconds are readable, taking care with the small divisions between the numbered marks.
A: 1,12,26
